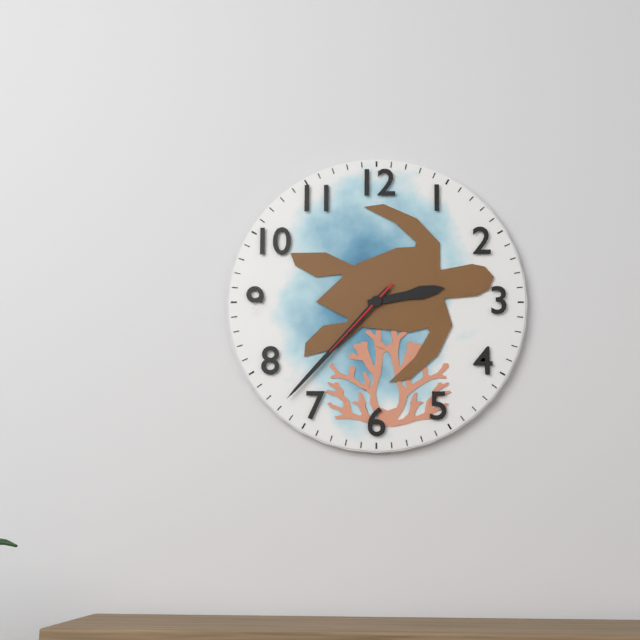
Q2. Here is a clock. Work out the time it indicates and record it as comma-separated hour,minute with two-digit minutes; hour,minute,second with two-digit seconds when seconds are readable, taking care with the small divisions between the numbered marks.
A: 2,37,37
